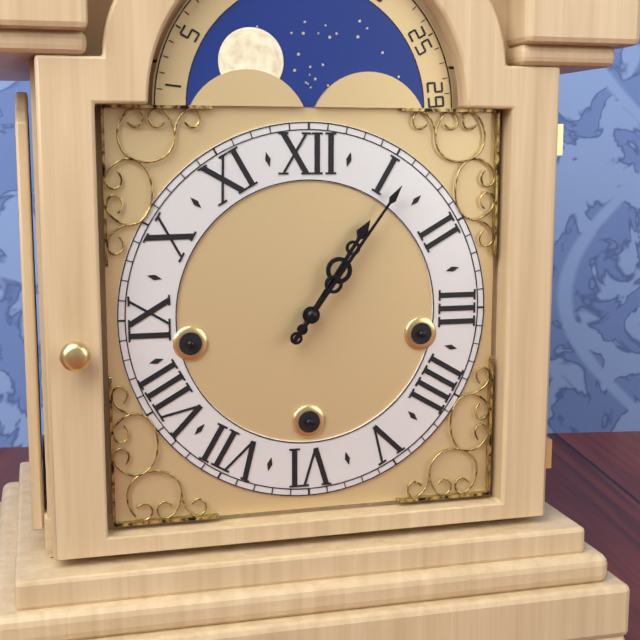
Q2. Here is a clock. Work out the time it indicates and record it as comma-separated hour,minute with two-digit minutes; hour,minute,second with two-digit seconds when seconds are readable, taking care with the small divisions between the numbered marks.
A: 1,06
